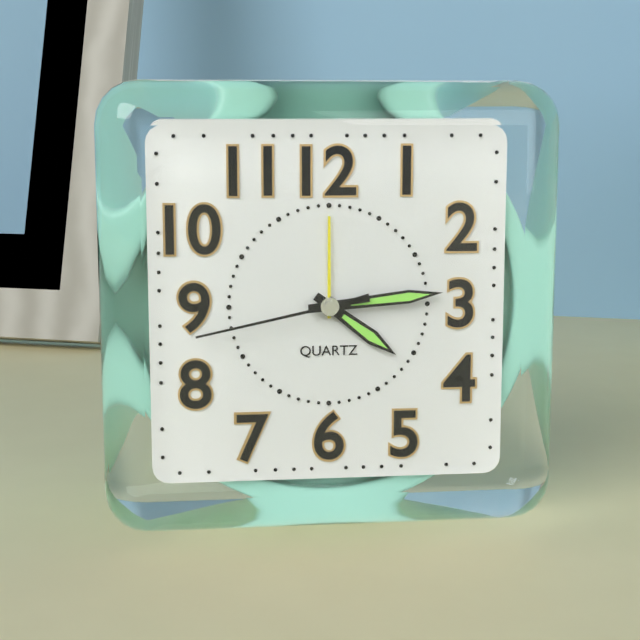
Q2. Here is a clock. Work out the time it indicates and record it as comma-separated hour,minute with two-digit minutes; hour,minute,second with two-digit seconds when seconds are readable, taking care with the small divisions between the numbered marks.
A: 4,14,43
